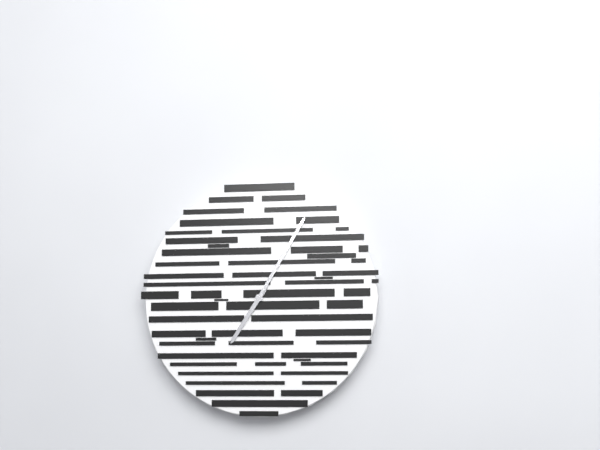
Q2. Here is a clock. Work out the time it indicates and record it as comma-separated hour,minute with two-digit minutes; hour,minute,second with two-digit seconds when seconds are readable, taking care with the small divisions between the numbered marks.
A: 7,05
